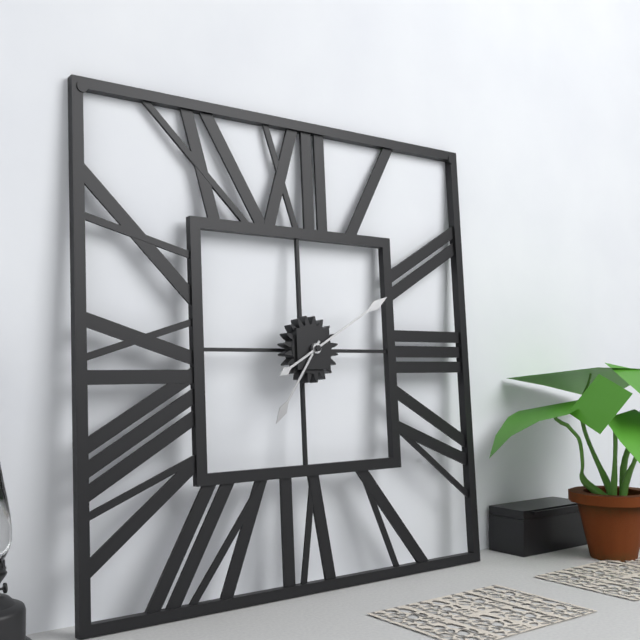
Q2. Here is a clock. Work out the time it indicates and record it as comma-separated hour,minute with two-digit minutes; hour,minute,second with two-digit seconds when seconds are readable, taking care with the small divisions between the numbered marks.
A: 7,10
